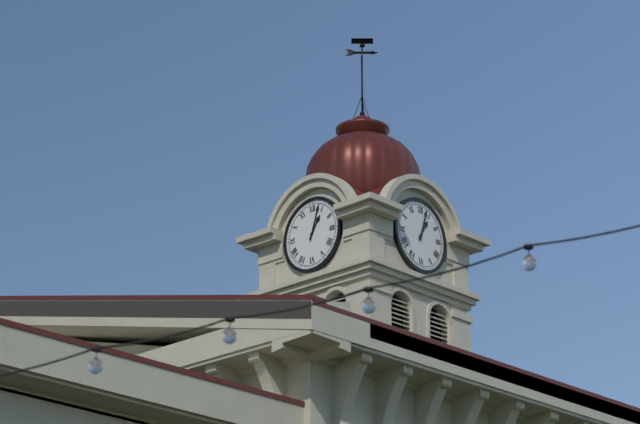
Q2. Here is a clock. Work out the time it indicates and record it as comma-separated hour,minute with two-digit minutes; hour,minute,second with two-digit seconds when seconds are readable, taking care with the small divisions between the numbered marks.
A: 1,03
